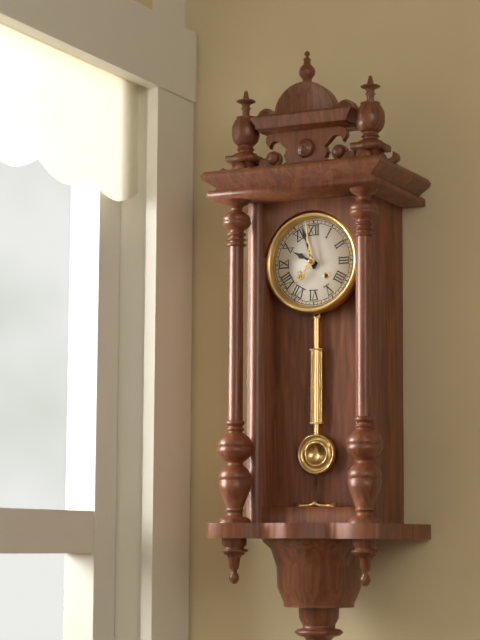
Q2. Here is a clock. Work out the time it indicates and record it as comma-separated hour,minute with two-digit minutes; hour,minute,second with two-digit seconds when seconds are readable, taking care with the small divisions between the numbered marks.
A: 9,57
